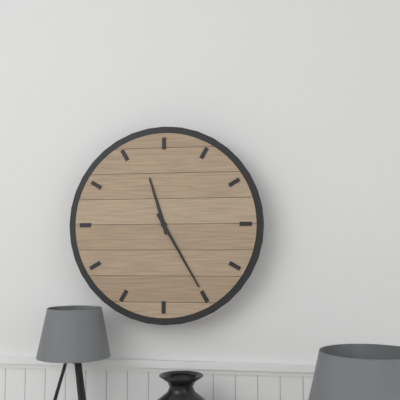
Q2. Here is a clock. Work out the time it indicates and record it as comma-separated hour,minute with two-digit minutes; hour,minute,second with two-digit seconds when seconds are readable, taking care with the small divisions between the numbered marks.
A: 11,25
